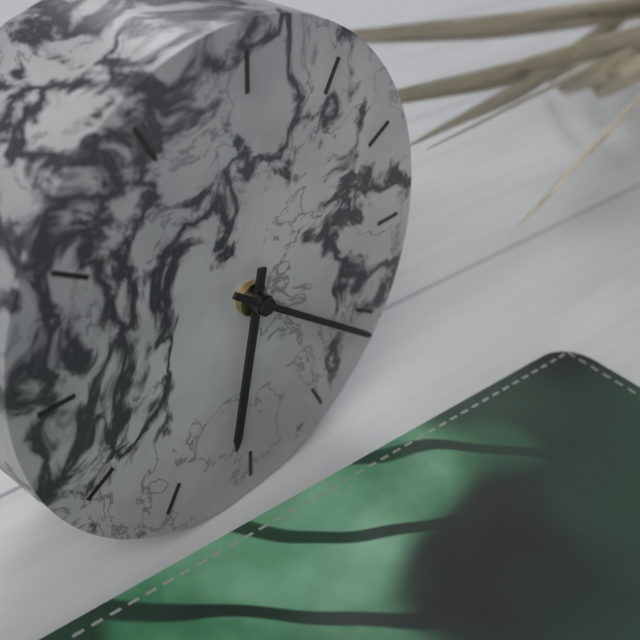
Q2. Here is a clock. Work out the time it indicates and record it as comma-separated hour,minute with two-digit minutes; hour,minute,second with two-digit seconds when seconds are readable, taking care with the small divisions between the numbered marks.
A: 6,21
